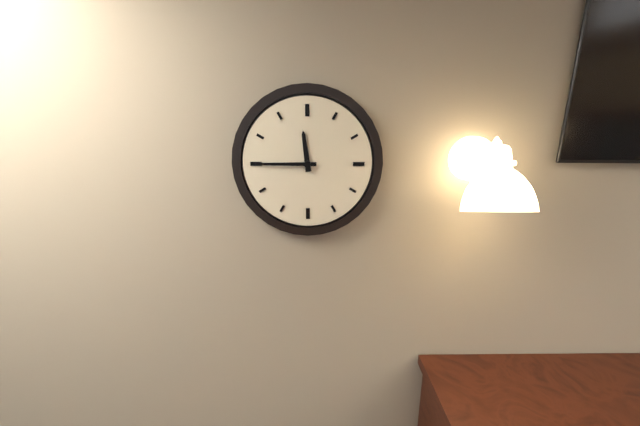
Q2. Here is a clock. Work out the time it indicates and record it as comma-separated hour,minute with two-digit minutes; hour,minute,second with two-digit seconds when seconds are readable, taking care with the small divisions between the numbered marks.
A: 11,45
